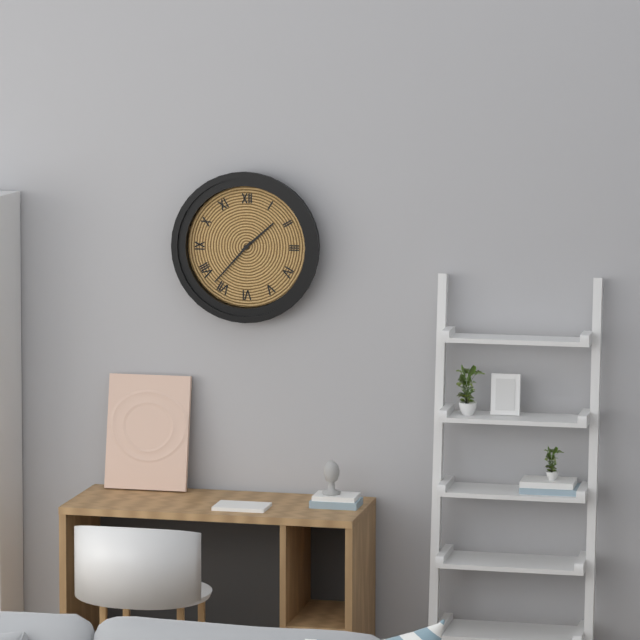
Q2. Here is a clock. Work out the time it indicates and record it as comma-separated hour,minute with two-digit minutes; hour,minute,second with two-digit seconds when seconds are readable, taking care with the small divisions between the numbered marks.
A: 1,37
